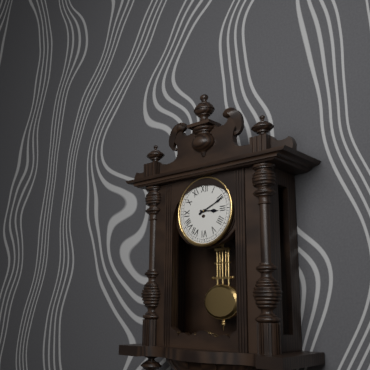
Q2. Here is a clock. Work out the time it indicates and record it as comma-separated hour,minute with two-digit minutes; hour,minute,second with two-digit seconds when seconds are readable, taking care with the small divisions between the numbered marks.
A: 3,11
